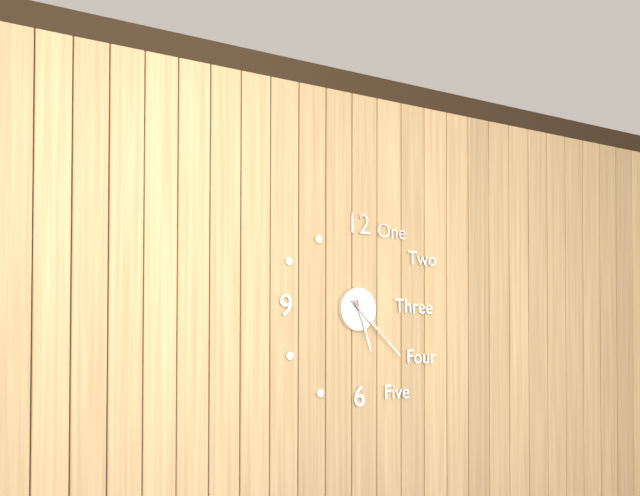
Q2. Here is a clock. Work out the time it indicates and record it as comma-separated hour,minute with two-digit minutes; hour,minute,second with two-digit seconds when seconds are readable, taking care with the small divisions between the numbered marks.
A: 5,22
